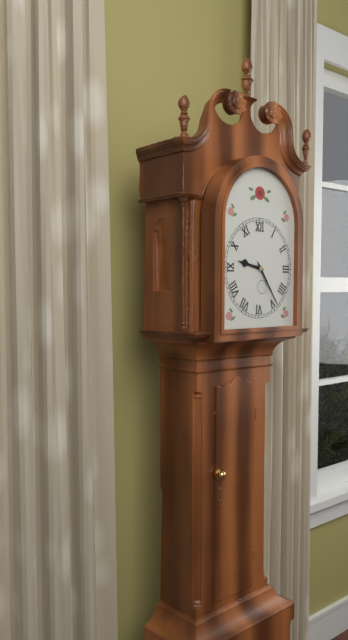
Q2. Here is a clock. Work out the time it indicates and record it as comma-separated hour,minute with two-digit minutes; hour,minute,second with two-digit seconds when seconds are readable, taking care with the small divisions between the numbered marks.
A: 9,24
